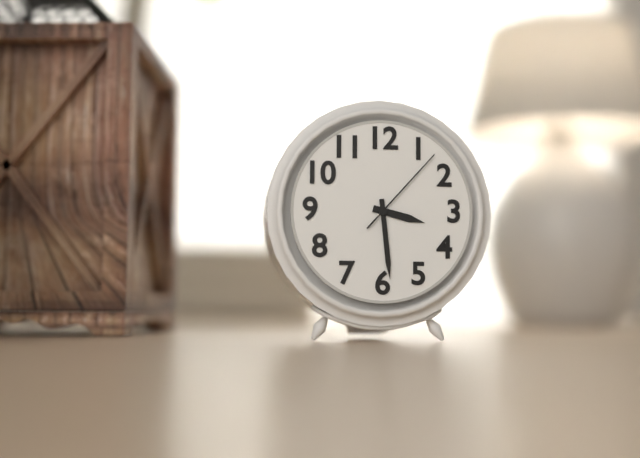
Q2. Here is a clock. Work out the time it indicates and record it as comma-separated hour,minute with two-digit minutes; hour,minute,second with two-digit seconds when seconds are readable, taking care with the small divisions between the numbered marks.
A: 3,29,07
